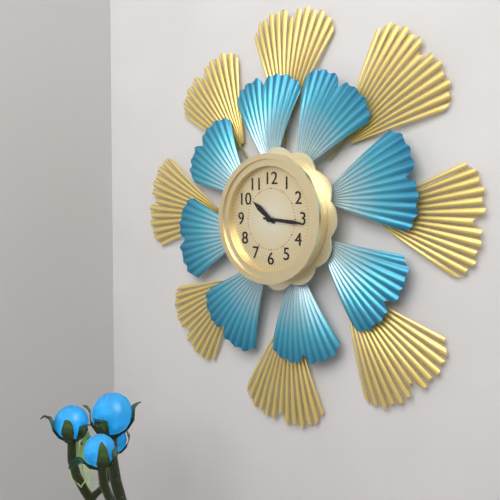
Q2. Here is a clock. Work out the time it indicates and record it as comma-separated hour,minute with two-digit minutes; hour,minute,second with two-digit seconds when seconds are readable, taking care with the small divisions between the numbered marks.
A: 10,16
